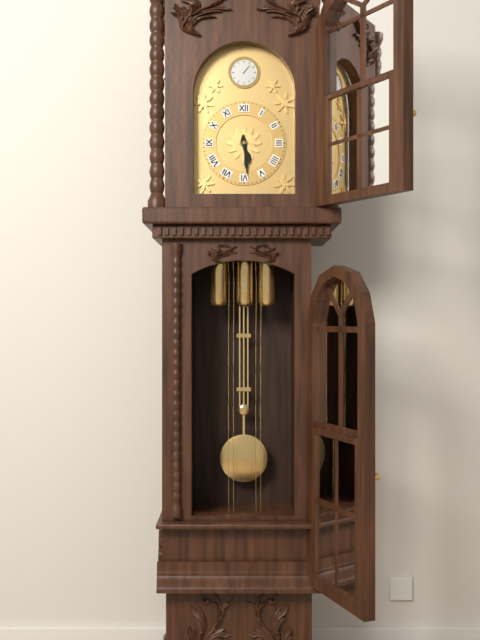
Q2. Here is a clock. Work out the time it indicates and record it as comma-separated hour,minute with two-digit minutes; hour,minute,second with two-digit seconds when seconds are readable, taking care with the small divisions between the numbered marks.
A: 5,29
